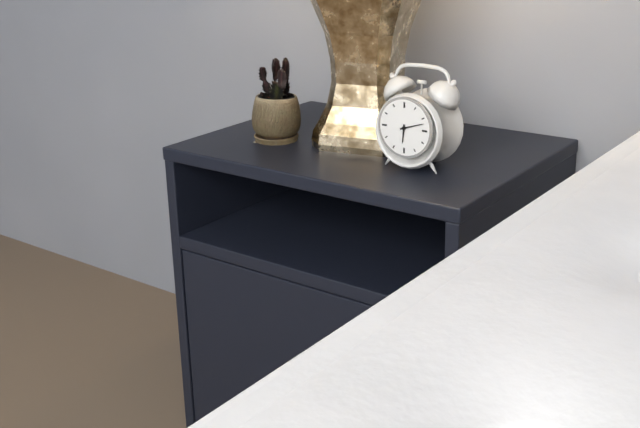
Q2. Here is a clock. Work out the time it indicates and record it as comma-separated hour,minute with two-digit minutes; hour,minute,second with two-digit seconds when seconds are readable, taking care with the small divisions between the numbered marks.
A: 6,12
